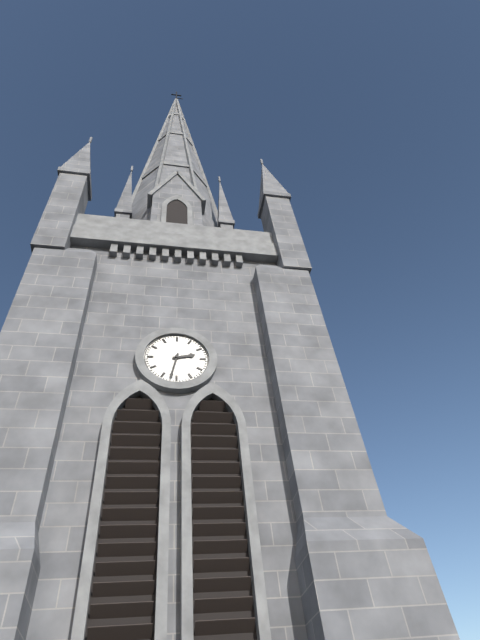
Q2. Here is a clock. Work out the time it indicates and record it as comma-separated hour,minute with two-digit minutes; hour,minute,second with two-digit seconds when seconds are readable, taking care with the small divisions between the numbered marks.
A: 2,32
